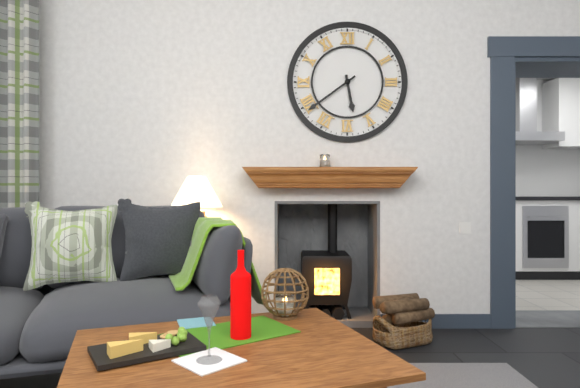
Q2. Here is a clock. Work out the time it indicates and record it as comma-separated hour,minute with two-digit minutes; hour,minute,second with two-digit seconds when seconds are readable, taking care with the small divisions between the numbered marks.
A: 5,39
